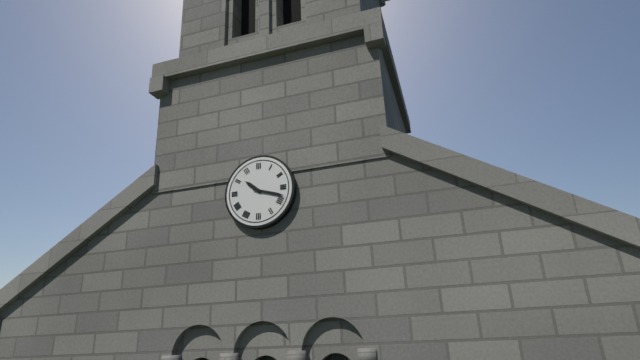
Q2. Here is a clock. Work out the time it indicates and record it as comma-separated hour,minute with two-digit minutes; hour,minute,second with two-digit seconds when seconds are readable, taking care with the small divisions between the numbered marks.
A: 10,18
